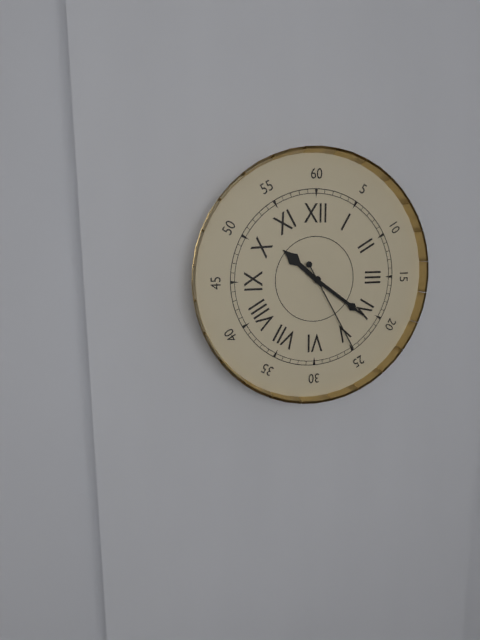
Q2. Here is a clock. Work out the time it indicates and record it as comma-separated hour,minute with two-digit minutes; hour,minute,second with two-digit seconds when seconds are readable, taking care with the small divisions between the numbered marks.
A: 10,21,25
